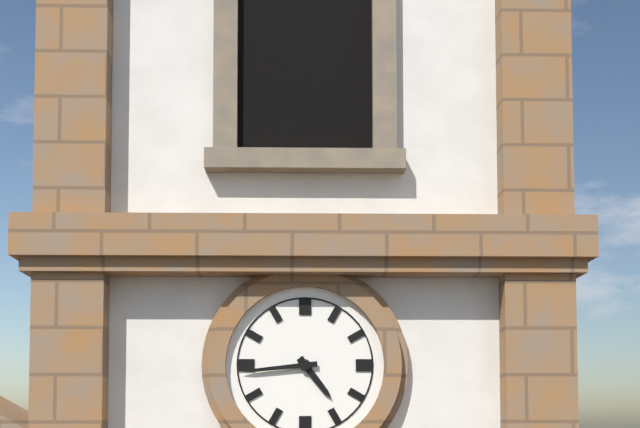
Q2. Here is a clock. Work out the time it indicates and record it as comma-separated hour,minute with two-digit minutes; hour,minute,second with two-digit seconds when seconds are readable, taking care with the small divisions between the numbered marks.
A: 4,44
